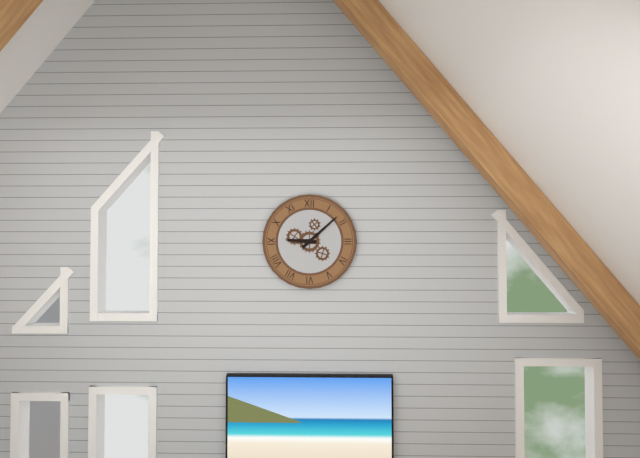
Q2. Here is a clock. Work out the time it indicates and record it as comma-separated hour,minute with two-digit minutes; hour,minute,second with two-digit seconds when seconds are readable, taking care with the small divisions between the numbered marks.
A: 9,08
